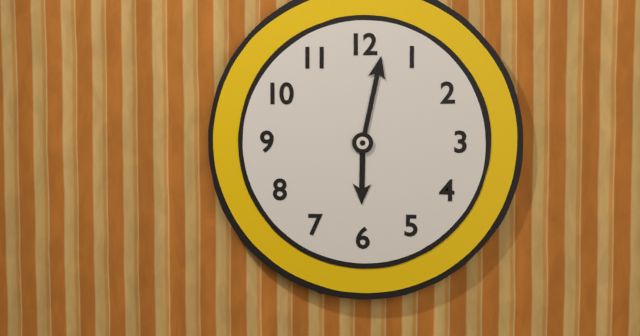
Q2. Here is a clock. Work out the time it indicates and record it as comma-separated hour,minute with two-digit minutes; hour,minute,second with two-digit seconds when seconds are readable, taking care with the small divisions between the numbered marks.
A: 6,02
